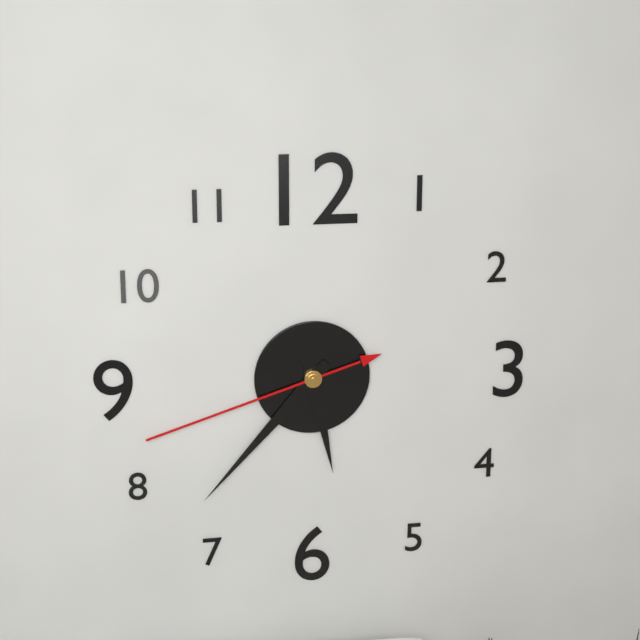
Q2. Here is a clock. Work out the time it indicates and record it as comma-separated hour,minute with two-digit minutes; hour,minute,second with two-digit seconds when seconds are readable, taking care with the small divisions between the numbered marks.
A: 5,37,42
